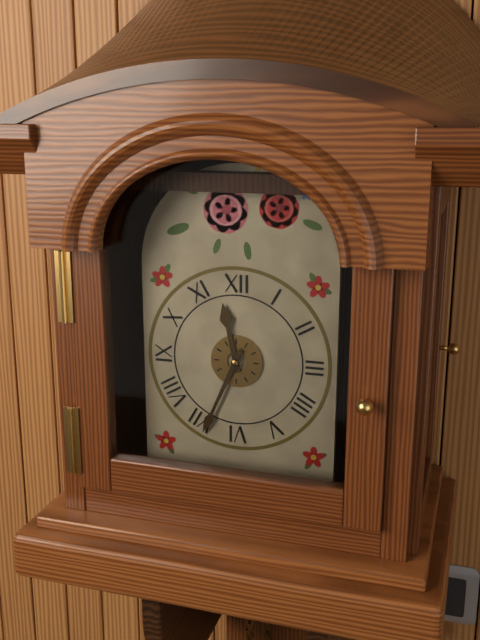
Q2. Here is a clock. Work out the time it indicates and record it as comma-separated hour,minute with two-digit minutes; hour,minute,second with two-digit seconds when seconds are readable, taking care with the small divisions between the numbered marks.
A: 11,34
